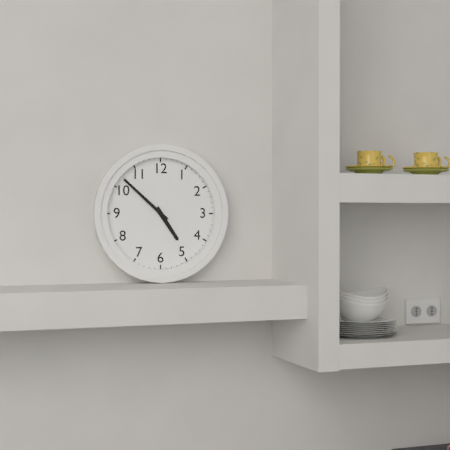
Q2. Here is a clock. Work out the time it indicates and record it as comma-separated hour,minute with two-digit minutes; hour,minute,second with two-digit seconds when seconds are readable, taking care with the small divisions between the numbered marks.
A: 4,52
